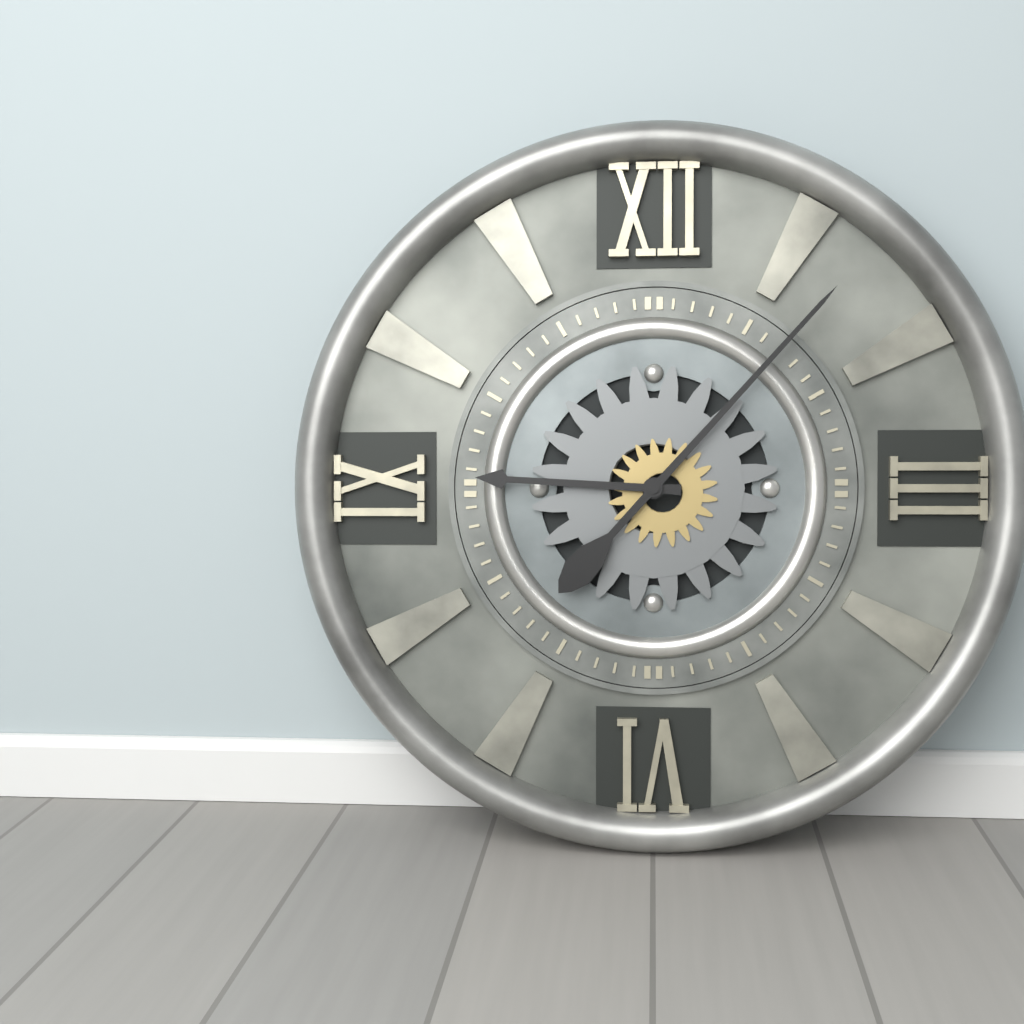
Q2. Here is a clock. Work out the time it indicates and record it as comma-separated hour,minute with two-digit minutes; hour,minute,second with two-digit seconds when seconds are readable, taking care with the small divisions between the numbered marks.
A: 9,07
